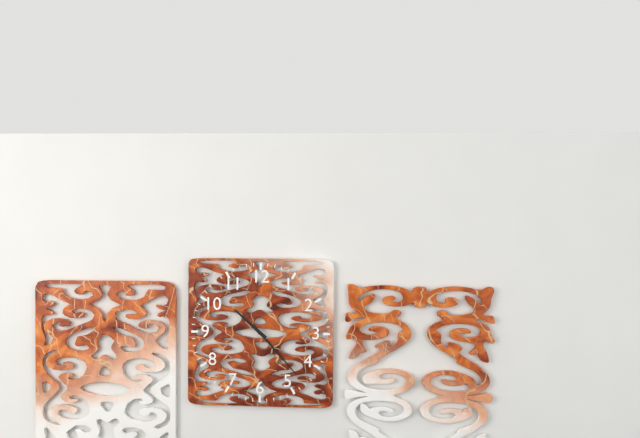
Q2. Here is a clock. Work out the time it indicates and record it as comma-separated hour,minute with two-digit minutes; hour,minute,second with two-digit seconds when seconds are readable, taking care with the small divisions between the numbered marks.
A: 10,23
